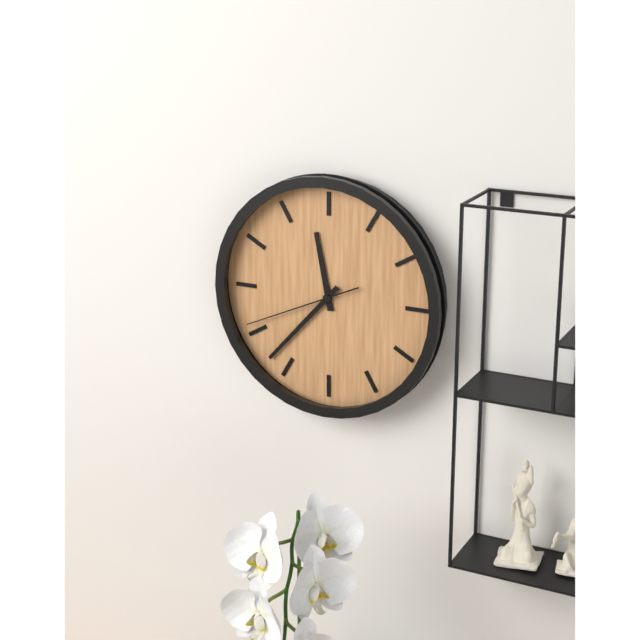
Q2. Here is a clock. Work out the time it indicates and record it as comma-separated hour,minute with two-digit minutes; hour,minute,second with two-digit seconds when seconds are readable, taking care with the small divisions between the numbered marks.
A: 11,37,41
